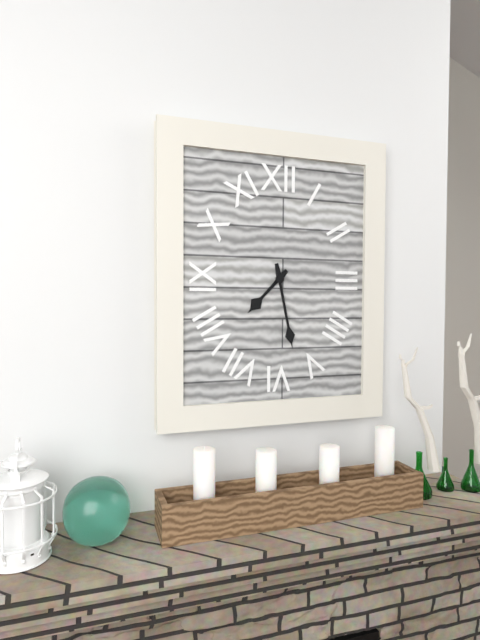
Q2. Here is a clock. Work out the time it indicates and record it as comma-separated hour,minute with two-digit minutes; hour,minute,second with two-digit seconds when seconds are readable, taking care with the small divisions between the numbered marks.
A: 7,28
